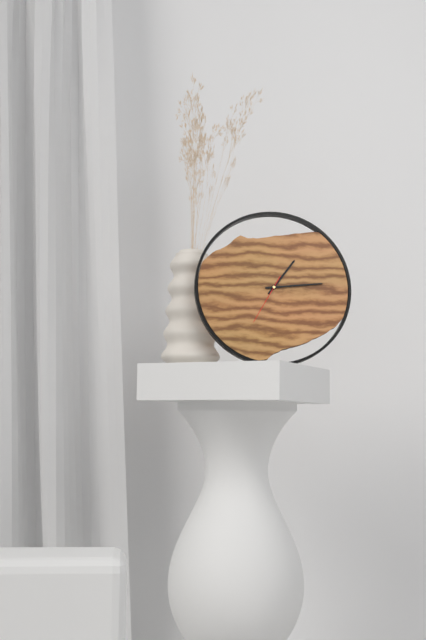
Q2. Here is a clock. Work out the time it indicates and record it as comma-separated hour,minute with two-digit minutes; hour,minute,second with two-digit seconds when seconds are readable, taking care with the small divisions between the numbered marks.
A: 1,14
